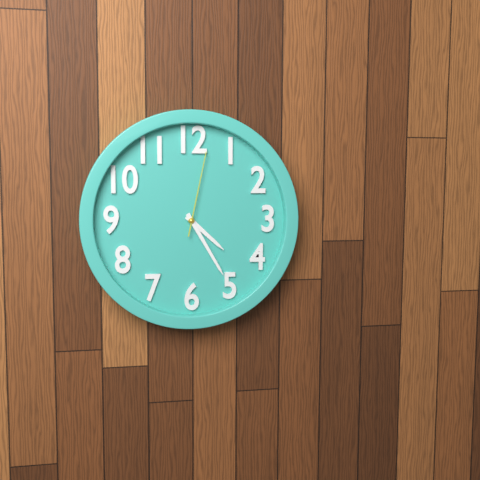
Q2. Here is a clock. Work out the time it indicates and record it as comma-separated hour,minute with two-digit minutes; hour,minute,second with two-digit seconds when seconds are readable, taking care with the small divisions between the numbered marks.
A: 4,25,02
